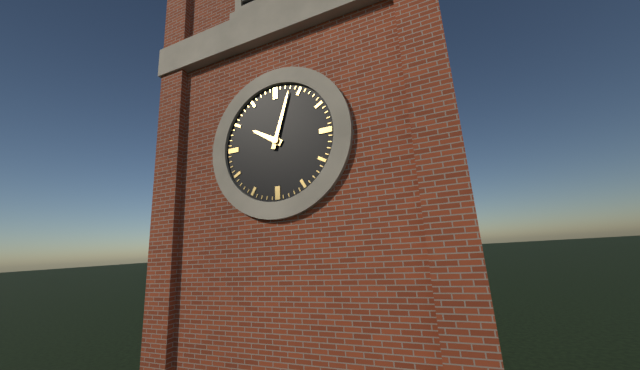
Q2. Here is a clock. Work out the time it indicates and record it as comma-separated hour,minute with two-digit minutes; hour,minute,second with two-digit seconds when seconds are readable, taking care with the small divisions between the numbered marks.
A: 10,03
